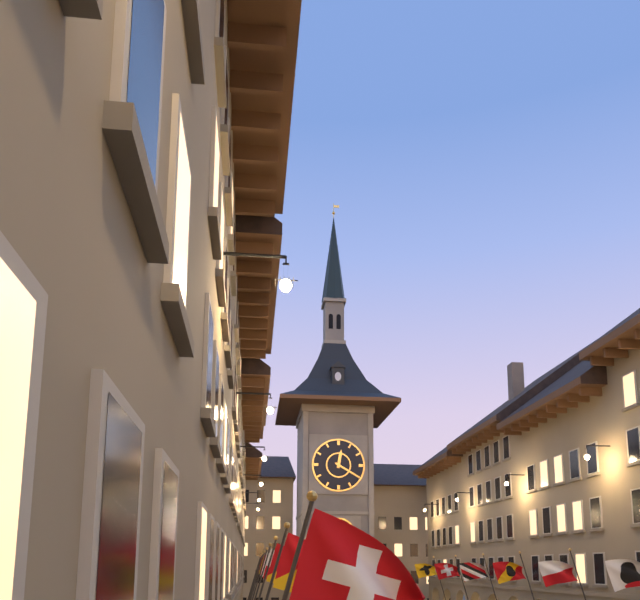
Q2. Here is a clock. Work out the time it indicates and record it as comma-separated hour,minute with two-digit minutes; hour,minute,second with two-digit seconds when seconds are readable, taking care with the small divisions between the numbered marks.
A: 12,20
